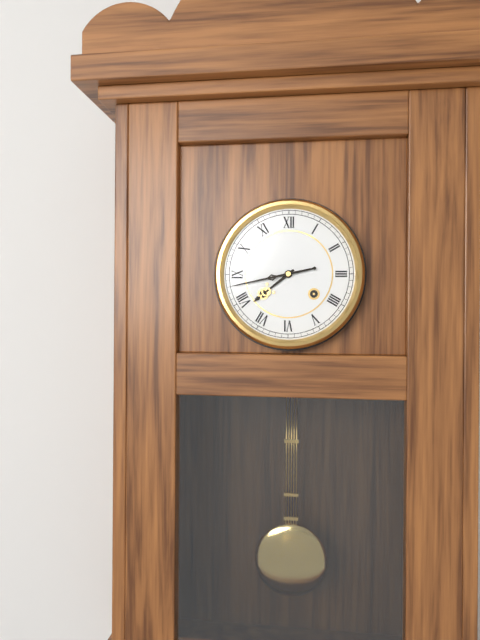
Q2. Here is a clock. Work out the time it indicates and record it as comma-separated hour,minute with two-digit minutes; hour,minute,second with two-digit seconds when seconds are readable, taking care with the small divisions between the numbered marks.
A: 7,43
